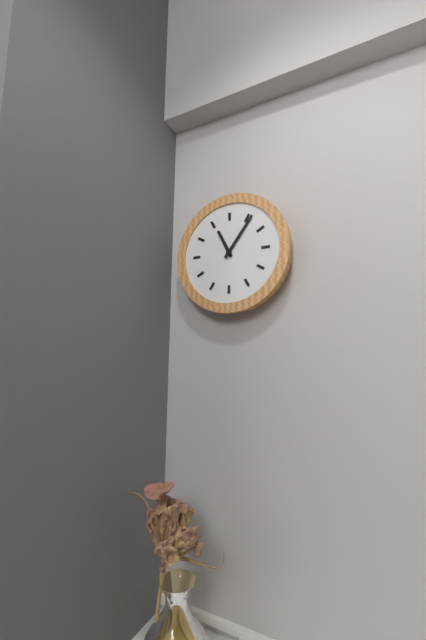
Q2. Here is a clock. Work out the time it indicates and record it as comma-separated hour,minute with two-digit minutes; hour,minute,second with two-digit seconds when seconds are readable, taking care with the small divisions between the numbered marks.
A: 11,06
